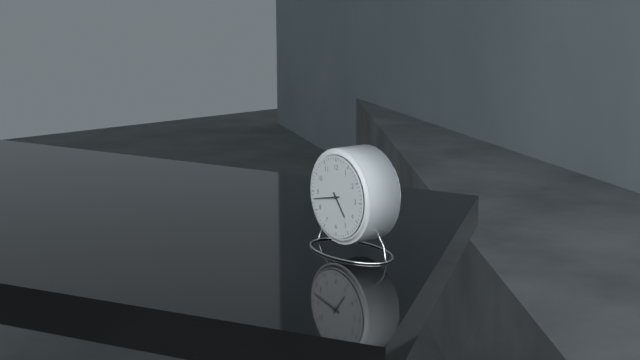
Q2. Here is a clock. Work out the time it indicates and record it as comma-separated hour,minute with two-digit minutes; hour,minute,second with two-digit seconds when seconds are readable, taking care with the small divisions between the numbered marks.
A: 4,43
